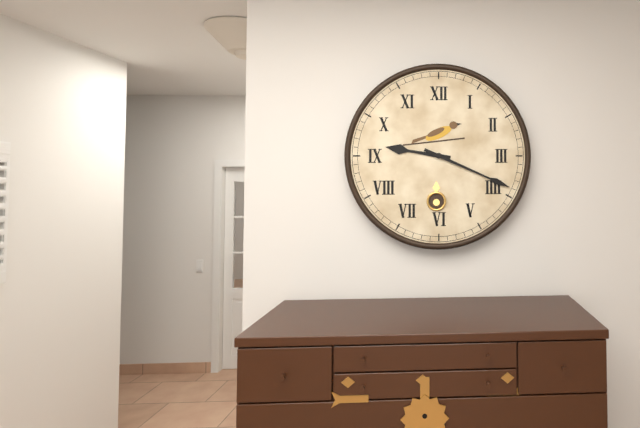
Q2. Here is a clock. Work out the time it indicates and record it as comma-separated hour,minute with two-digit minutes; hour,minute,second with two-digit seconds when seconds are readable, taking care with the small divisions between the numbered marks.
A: 9,19
